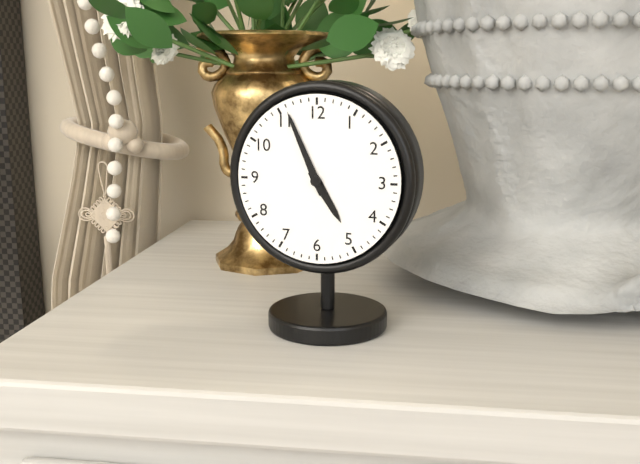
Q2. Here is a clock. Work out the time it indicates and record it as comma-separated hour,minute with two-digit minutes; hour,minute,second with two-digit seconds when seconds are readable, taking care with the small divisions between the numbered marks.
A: 4,56
